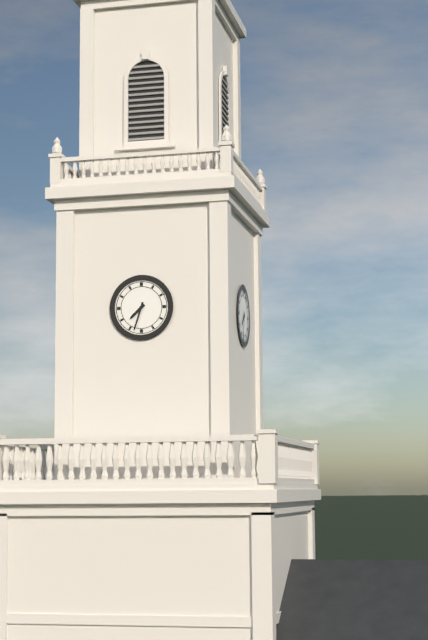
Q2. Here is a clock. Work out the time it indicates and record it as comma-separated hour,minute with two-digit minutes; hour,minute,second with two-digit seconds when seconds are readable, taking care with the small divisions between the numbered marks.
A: 7,33
